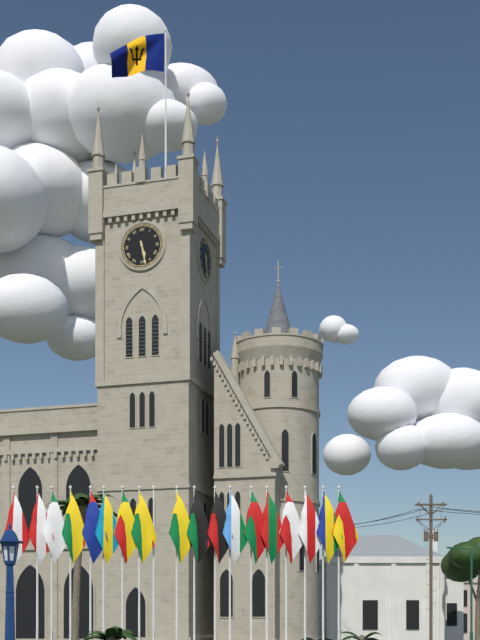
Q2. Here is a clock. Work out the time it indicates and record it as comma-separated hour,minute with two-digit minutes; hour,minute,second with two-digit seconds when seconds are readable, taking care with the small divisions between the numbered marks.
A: 5,28
